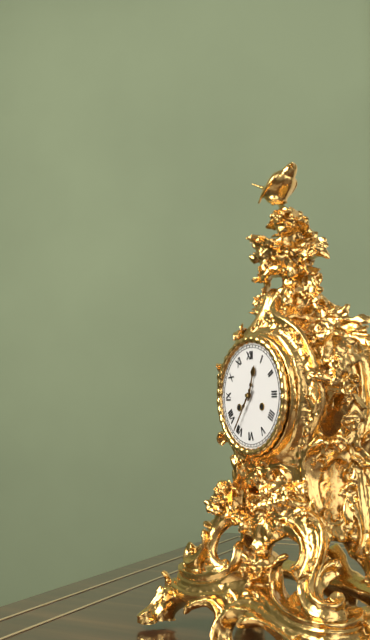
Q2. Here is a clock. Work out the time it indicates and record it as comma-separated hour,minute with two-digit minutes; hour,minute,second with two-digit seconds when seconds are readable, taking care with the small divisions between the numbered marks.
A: 12,36
